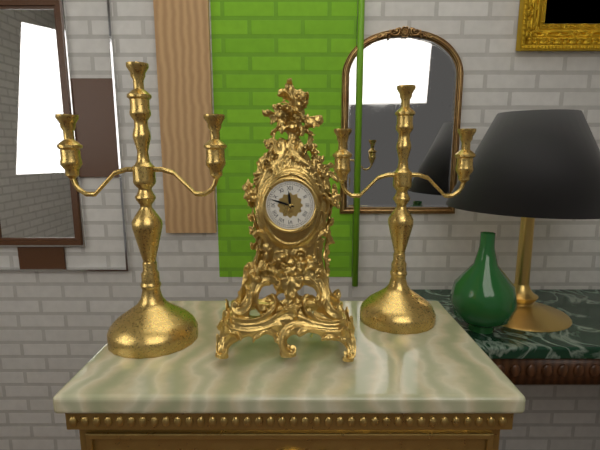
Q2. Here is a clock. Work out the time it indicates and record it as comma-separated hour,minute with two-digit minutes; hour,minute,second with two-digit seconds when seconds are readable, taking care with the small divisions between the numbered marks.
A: 11,48
